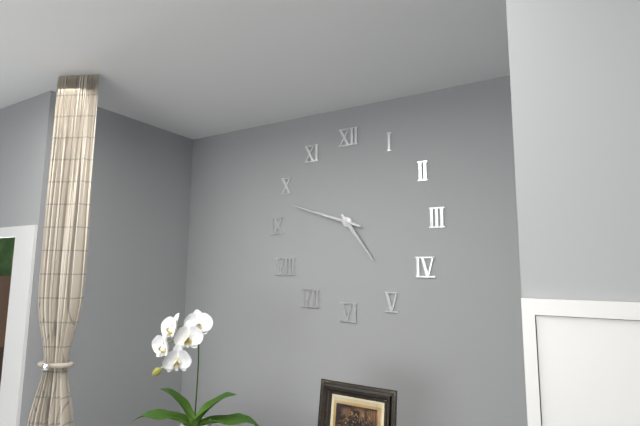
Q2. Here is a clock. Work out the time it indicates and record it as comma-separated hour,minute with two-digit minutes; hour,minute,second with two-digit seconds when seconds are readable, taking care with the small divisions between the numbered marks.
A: 4,48
